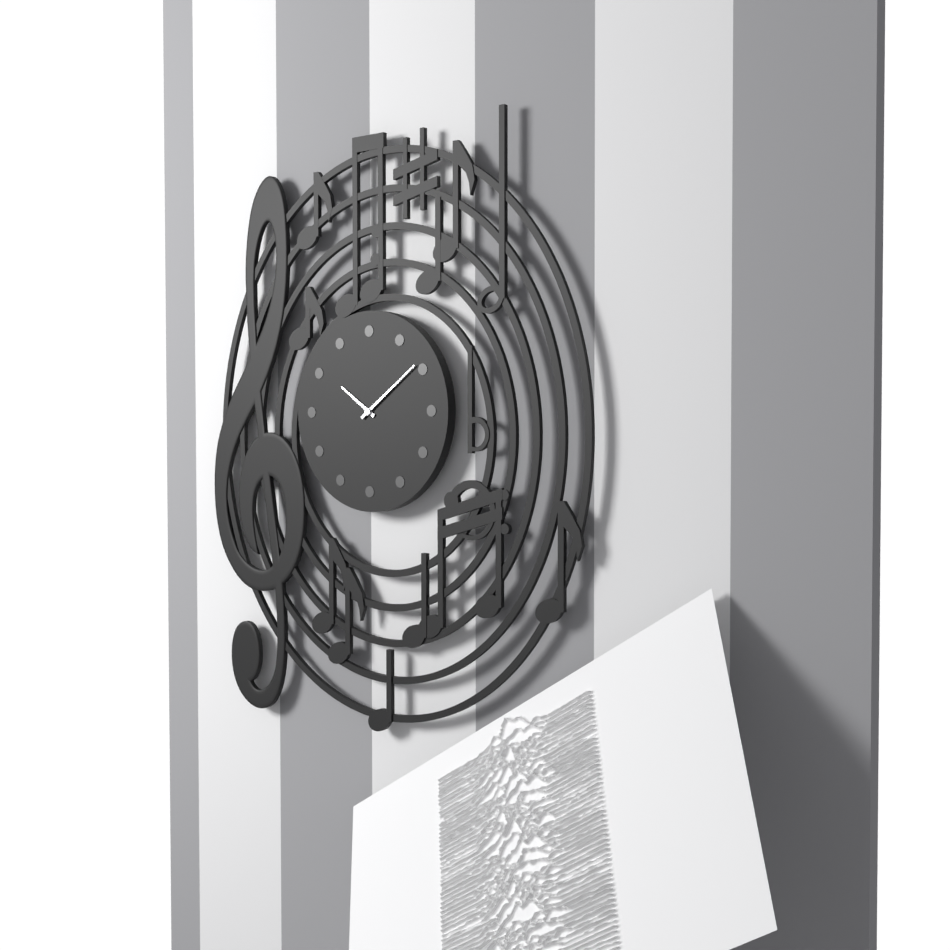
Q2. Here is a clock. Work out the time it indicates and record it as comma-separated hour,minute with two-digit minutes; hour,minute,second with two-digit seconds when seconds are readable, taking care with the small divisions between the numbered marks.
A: 10,09
